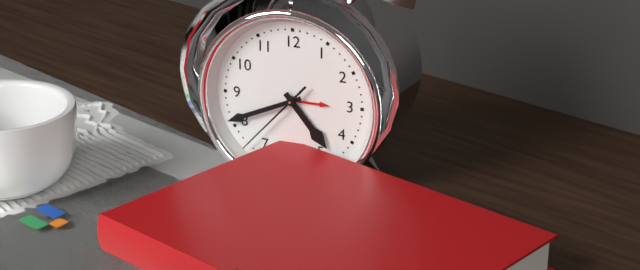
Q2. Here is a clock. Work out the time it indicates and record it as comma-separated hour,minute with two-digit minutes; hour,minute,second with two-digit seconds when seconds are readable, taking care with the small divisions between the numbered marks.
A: 4,41,37
